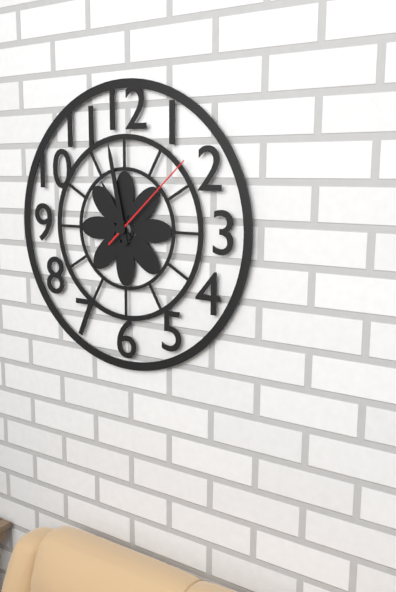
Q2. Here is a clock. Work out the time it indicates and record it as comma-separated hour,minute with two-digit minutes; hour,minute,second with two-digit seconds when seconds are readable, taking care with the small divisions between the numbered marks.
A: 10,58,08
